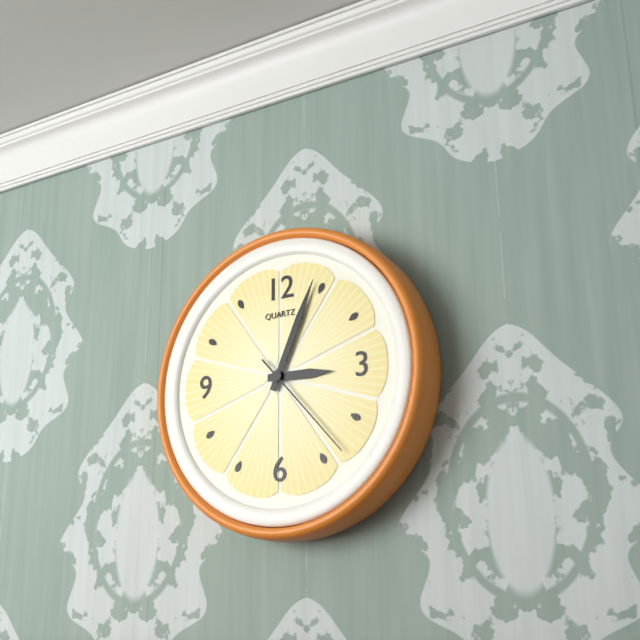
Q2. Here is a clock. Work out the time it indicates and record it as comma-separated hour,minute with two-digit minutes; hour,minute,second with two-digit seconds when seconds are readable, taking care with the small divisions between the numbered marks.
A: 3,04,23
